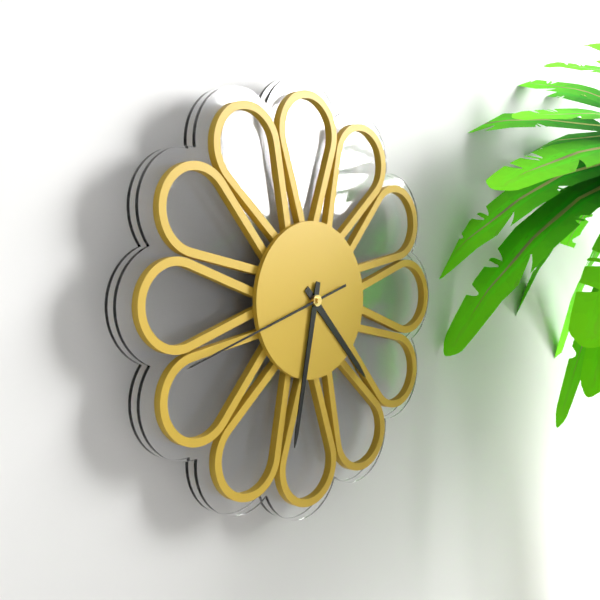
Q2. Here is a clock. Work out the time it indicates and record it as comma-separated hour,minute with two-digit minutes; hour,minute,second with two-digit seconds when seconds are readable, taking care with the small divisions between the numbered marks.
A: 4,32,42
